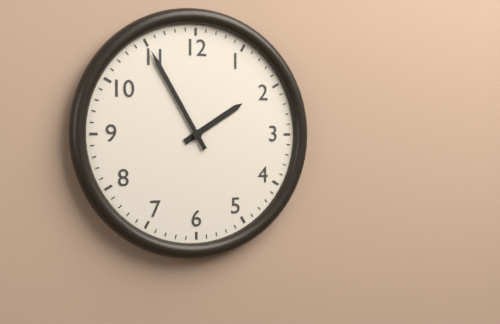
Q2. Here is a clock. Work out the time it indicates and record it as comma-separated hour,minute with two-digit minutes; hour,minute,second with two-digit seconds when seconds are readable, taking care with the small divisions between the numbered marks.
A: 1,55
